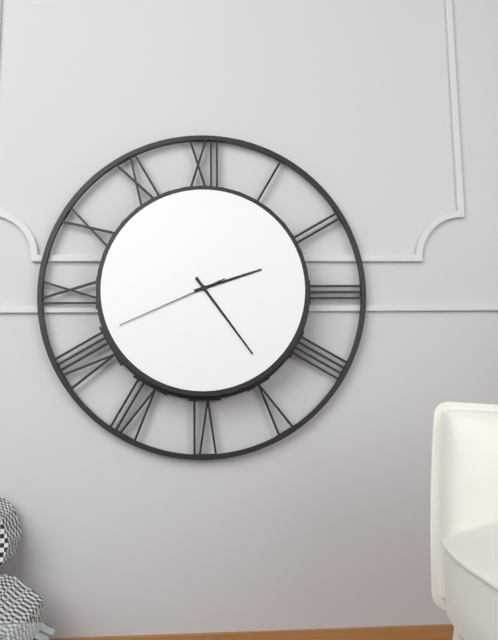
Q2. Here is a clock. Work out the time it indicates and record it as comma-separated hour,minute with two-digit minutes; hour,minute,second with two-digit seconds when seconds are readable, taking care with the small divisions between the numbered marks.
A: 2,24,41
